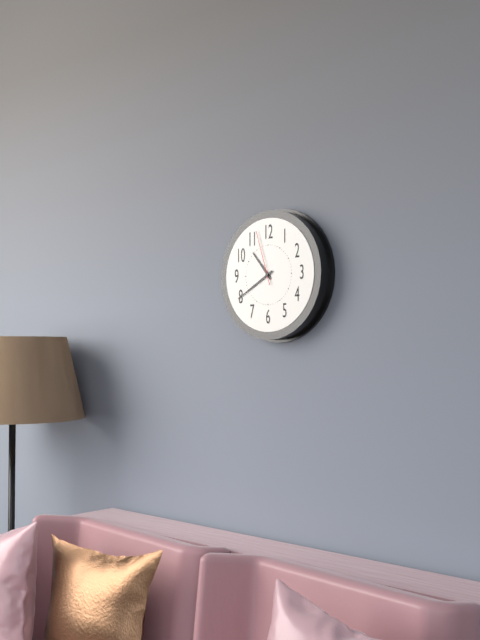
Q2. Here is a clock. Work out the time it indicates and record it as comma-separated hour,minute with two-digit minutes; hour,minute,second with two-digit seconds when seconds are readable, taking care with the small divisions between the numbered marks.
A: 10,40,57
